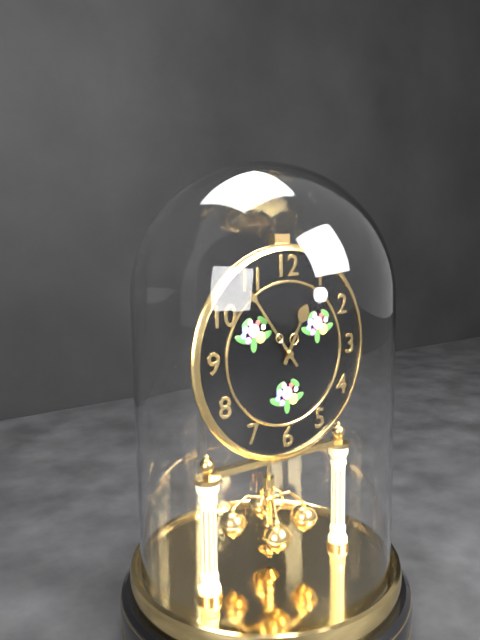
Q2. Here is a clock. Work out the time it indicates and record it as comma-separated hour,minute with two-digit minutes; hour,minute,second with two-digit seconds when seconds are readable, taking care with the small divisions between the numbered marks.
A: 12,54
